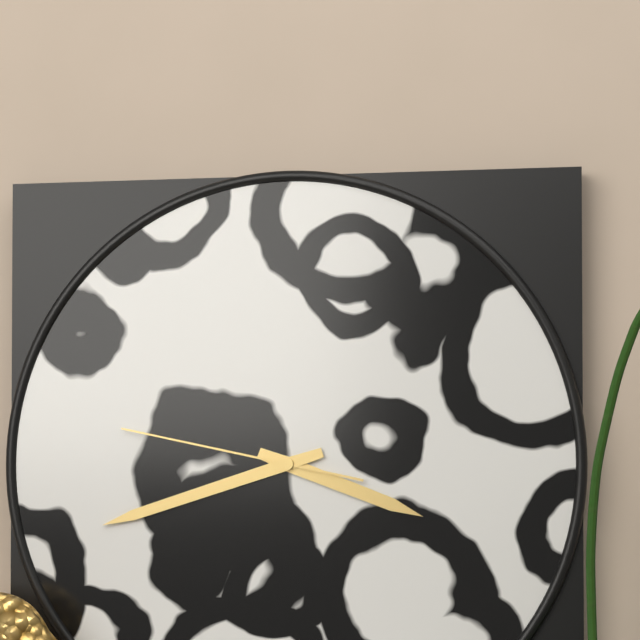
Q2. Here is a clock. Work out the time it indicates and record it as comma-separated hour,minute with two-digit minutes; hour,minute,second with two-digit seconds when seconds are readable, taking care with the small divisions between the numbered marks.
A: 3,42,47
